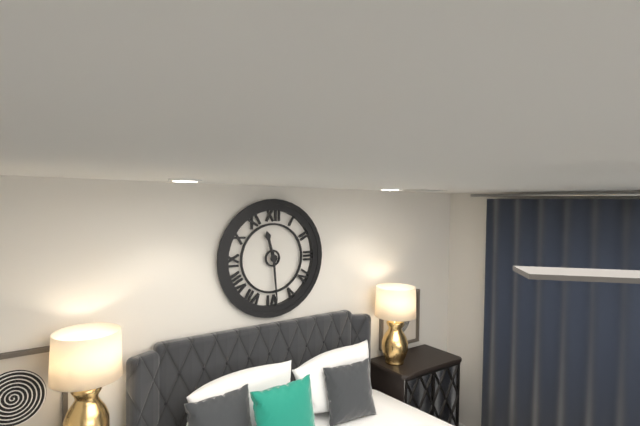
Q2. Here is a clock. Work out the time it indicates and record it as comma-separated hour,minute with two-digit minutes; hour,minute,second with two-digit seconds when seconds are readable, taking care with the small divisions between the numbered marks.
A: 11,29
